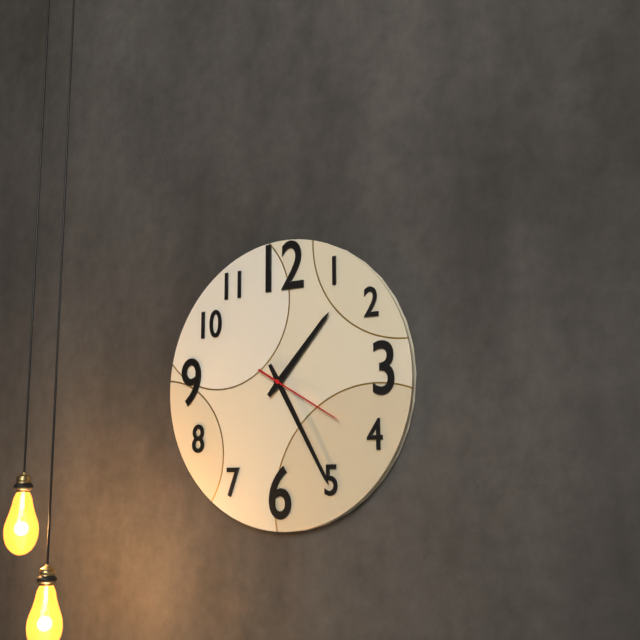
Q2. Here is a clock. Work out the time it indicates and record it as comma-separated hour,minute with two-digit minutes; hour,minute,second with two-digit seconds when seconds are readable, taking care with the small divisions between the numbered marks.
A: 1,25,20
